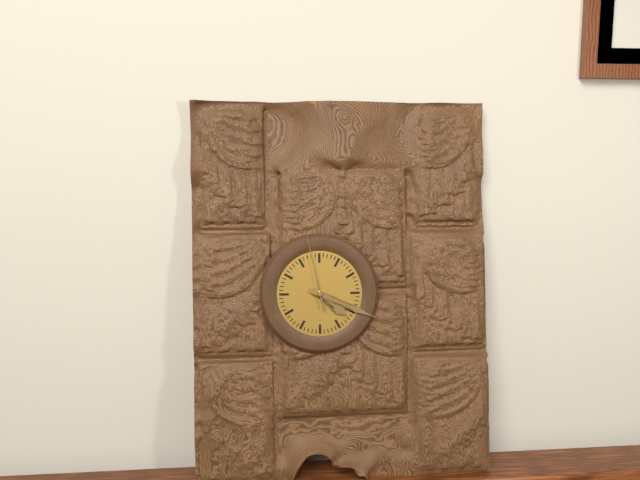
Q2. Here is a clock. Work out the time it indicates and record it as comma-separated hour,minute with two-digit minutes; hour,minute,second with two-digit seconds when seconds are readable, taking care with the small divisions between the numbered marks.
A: 4,19,58
